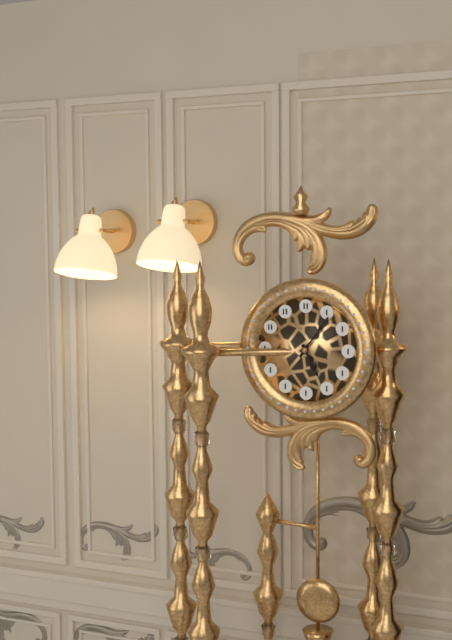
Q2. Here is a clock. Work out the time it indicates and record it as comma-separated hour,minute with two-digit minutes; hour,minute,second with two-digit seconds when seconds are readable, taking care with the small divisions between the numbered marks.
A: 5,06
